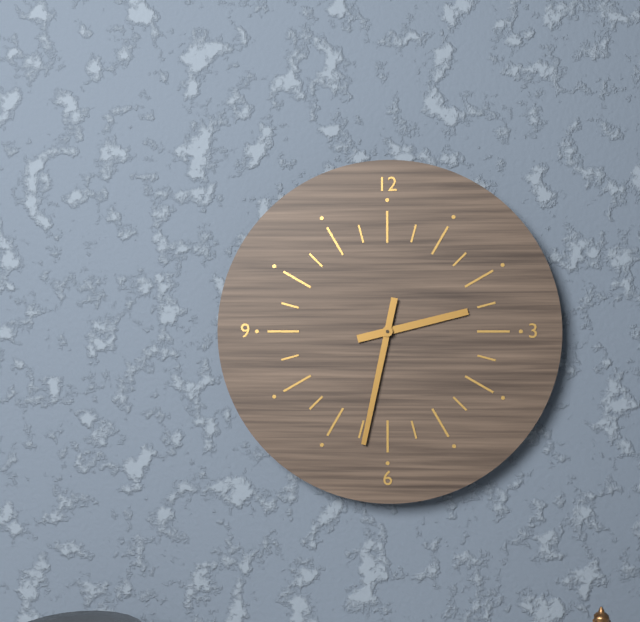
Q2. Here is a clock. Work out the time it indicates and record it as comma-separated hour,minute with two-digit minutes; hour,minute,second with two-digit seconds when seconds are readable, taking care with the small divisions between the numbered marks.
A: 2,32
